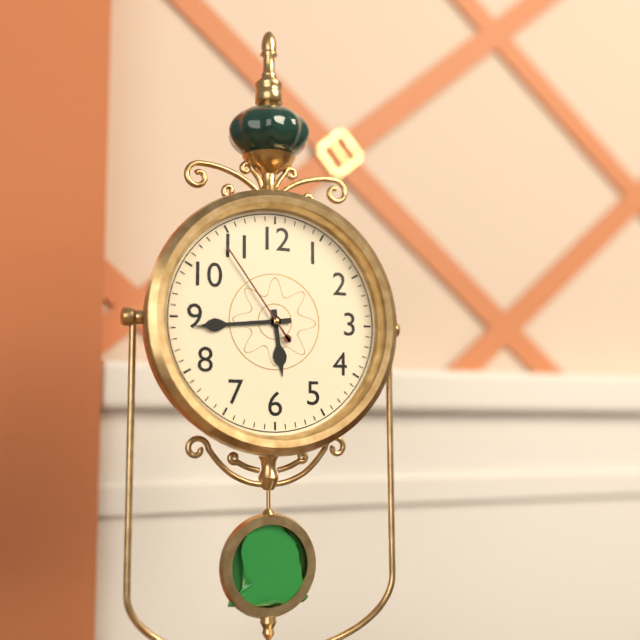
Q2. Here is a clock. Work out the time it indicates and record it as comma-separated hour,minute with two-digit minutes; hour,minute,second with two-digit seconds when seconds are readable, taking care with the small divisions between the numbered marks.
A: 5,44,54
